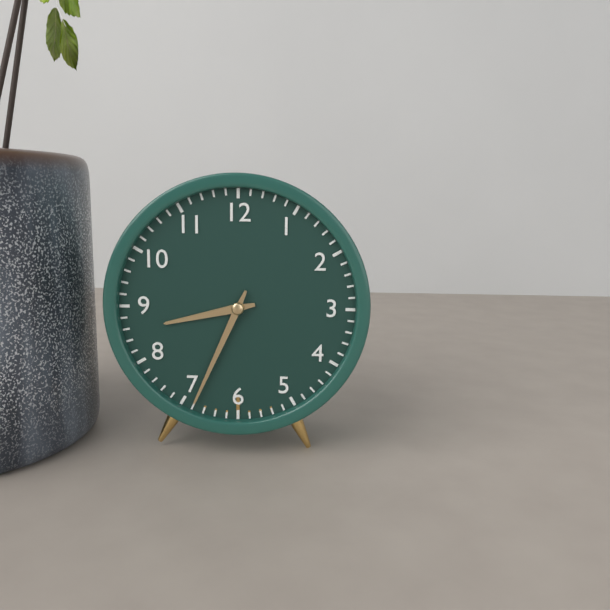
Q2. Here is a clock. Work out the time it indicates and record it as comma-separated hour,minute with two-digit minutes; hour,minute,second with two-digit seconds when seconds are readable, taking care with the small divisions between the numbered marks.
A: 8,34
